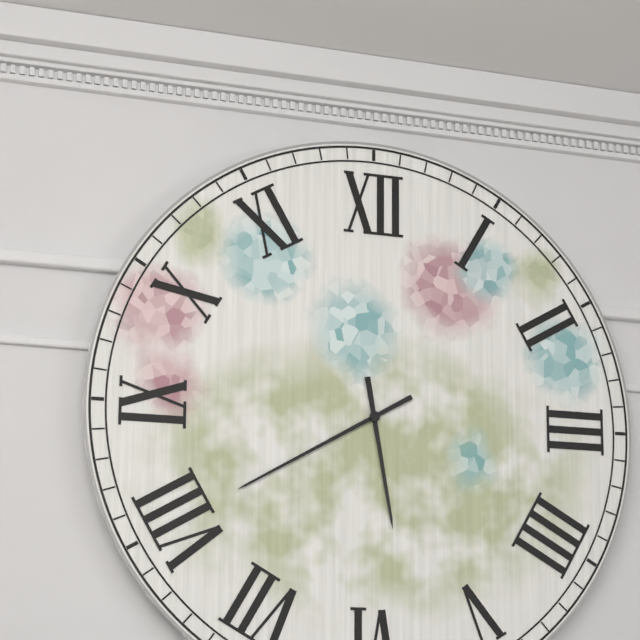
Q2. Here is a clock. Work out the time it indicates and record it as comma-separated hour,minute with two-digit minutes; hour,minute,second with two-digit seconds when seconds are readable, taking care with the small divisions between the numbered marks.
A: 5,40
